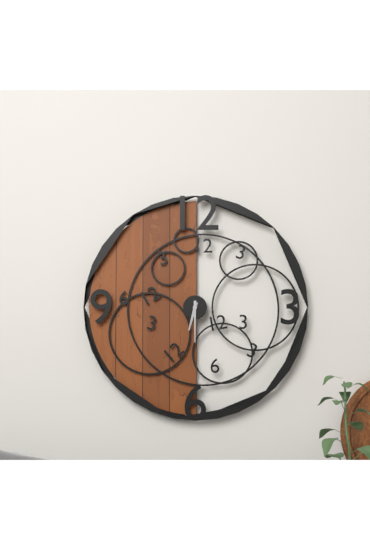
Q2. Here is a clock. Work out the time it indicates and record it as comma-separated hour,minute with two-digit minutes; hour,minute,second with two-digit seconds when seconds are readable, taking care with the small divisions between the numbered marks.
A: 6,30
